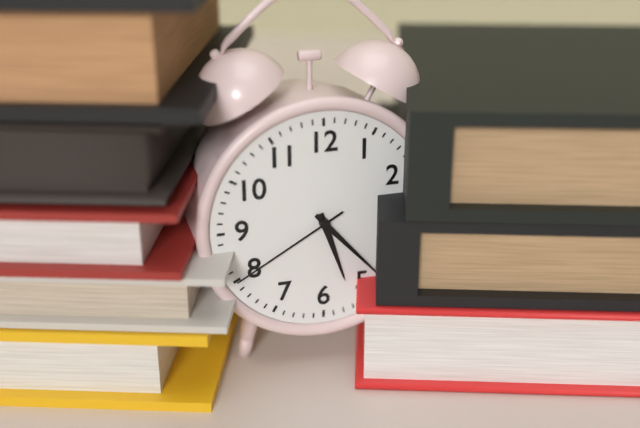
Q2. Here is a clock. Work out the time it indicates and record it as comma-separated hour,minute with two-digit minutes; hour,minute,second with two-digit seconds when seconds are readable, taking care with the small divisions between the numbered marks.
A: 5,23,40
